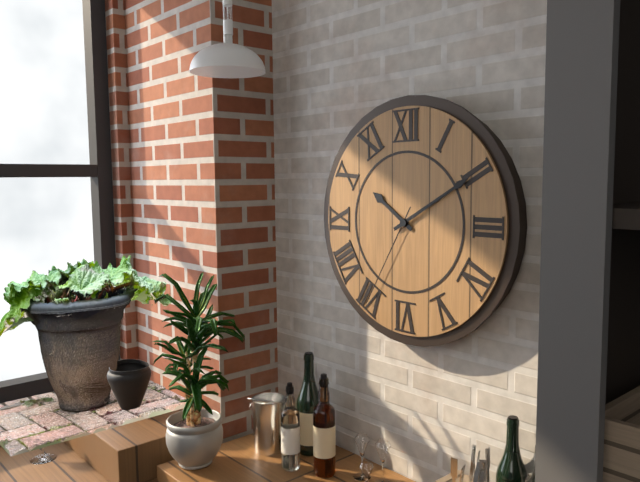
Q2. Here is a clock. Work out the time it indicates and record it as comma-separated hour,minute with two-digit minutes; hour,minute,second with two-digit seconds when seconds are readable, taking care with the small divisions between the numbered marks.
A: 10,10,35
